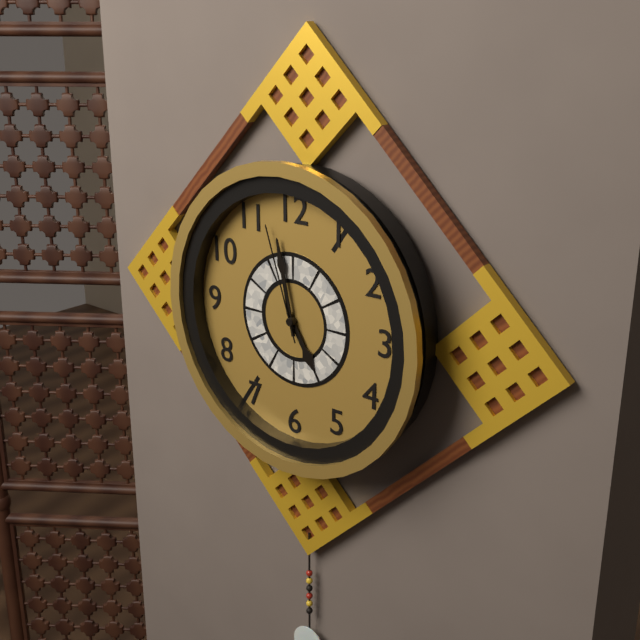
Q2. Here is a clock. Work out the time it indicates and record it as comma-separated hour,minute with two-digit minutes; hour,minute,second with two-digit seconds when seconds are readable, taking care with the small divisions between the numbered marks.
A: 4,58,57
